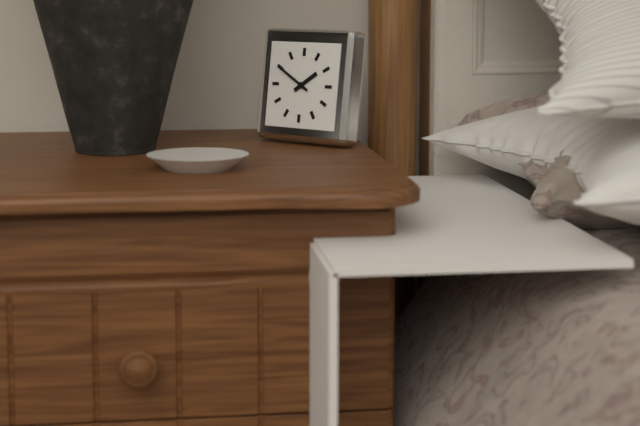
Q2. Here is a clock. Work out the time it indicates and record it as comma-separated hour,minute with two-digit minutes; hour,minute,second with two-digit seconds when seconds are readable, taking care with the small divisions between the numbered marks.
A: 1,50
